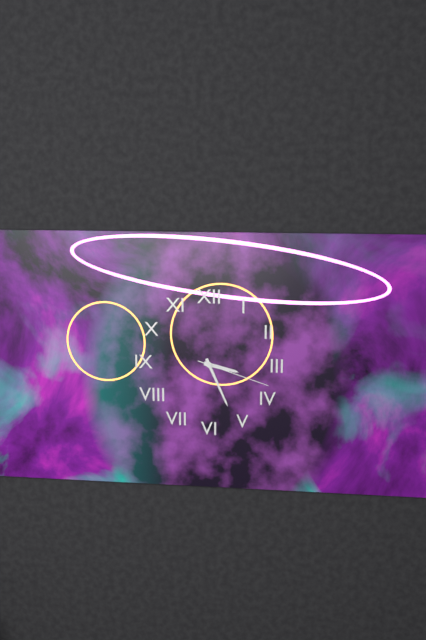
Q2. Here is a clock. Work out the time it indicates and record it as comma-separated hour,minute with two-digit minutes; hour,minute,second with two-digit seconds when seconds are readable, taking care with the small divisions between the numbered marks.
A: 3,26,18
